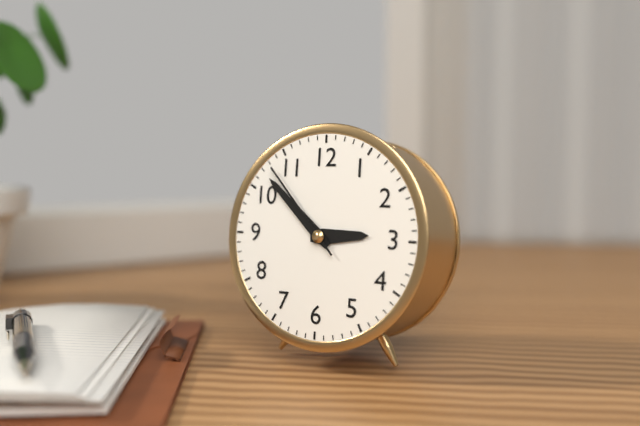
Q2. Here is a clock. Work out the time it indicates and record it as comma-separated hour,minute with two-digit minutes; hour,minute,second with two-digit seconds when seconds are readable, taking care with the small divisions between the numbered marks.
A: 2,52,53
